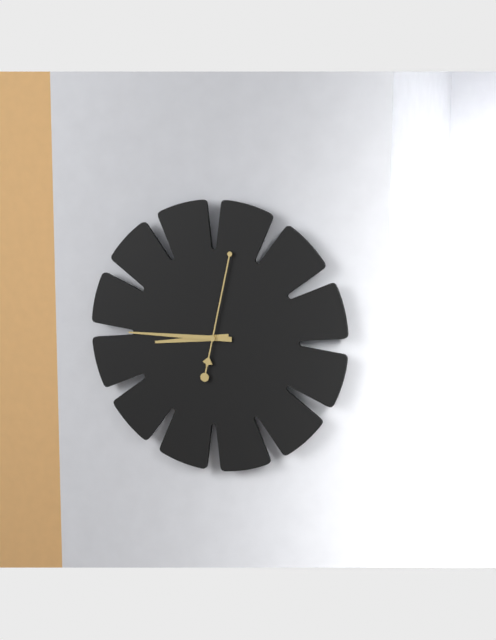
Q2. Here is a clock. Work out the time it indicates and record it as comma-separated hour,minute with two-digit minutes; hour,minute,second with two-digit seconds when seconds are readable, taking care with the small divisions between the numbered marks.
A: 8,45,02
